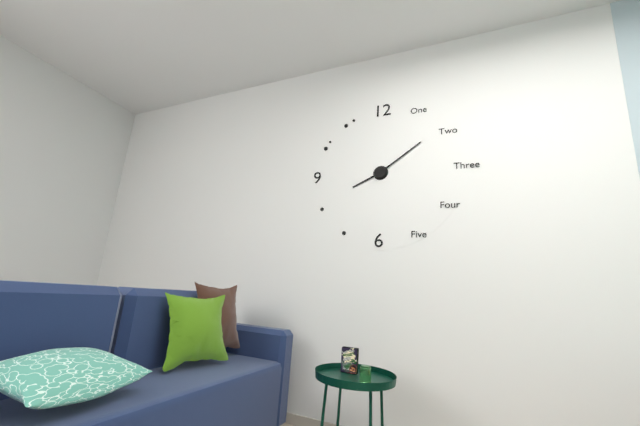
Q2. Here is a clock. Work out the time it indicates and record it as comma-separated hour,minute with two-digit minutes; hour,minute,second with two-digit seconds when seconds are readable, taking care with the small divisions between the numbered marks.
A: 8,09
